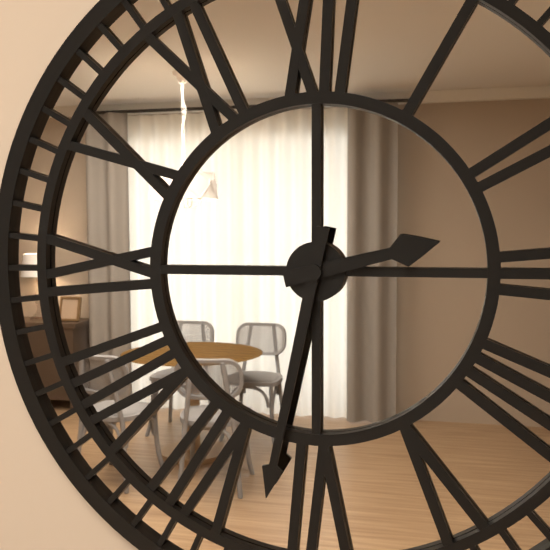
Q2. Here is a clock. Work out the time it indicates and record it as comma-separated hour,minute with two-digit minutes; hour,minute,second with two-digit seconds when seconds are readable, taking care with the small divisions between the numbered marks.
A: 2,32
